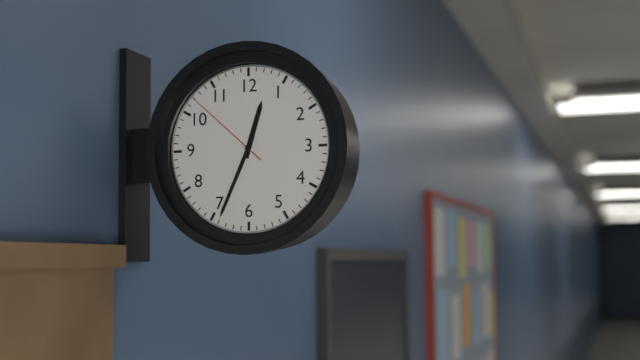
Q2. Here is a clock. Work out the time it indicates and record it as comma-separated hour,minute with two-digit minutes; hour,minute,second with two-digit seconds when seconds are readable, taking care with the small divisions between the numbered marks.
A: 12,34,52
